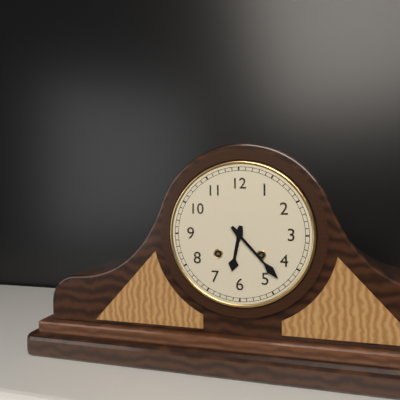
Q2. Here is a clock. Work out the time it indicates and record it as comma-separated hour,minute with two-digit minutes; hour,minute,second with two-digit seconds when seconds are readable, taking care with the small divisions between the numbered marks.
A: 6,23
